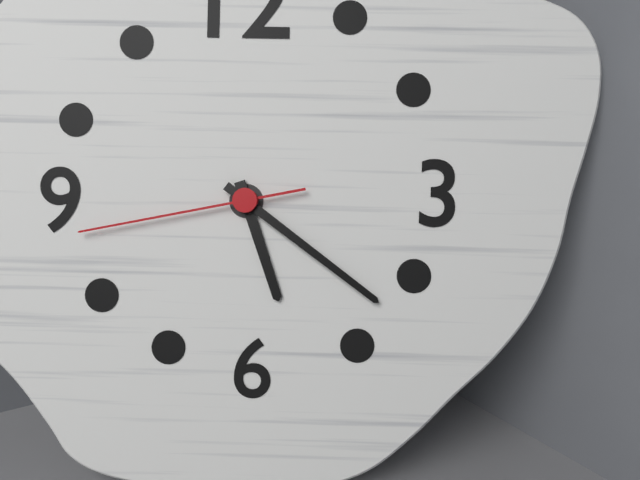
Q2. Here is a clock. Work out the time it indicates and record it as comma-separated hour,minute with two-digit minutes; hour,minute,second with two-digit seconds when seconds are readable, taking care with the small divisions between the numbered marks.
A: 5,21,43
